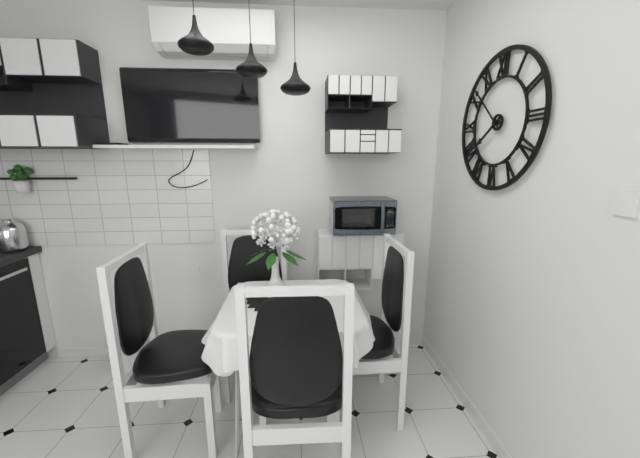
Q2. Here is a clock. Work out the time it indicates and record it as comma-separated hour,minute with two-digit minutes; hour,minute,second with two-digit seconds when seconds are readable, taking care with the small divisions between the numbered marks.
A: 7,52
